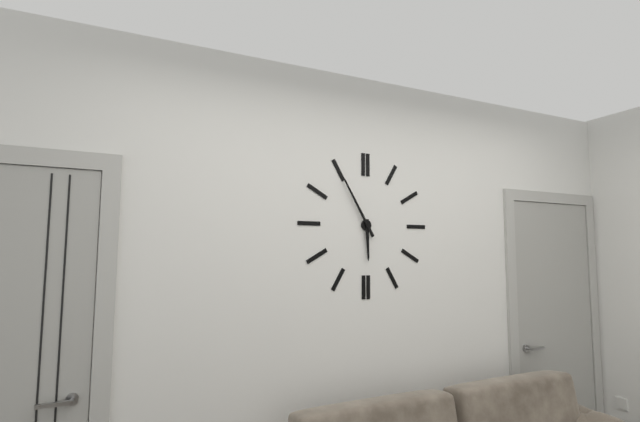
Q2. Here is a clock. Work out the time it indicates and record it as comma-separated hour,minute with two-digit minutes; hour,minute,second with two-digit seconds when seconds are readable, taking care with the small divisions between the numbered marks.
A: 5,55
